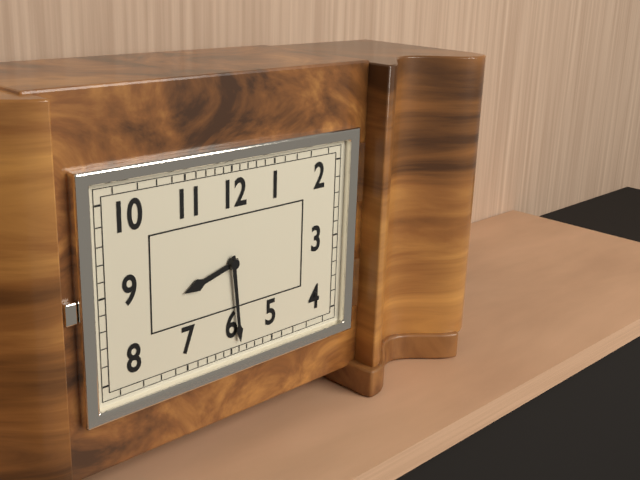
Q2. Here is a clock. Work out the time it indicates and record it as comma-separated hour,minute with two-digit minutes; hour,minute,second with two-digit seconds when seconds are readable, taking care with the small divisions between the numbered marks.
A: 8,29
